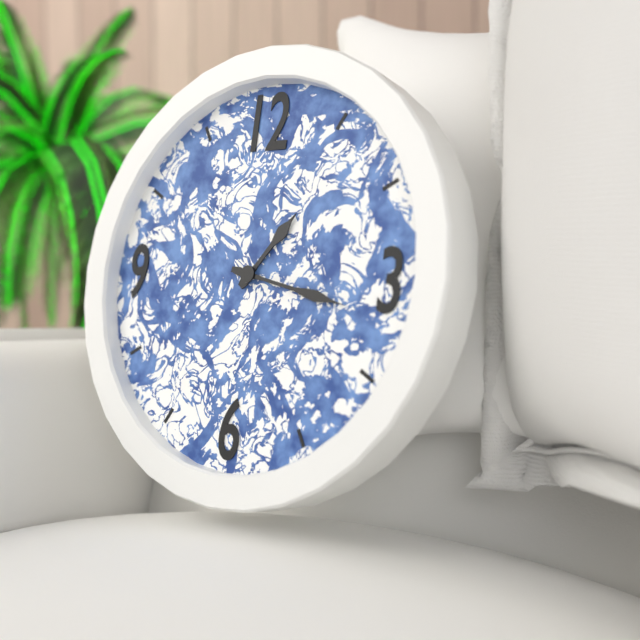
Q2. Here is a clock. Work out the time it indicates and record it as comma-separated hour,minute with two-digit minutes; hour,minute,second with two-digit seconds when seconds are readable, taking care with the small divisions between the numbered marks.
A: 1,17
